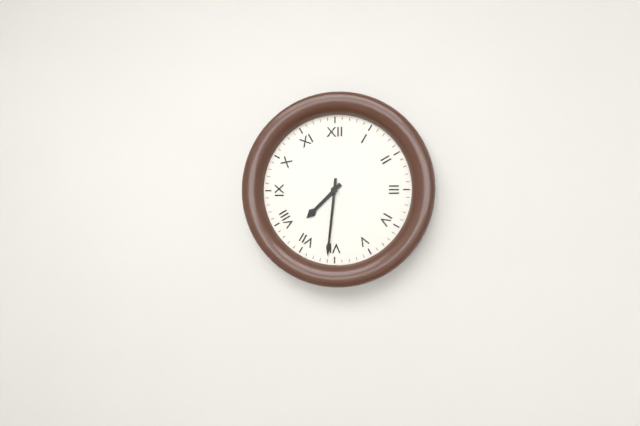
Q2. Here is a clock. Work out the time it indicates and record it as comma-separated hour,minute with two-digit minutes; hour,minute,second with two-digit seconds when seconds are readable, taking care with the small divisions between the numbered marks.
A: 7,31
